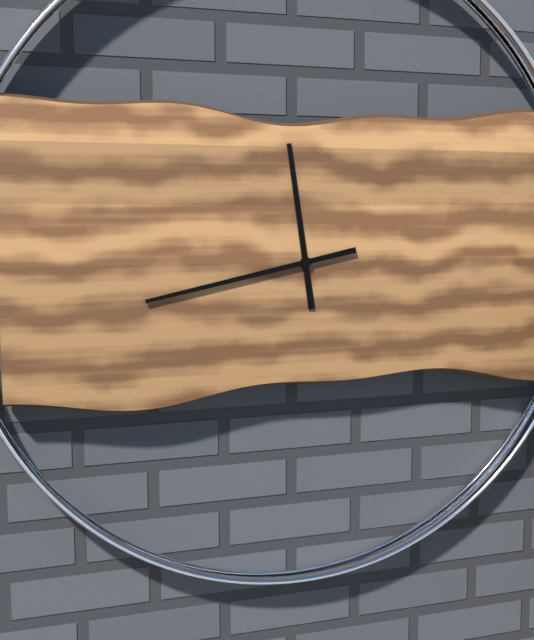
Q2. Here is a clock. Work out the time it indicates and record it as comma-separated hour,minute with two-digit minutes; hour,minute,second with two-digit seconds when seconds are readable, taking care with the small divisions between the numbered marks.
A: 11,43
